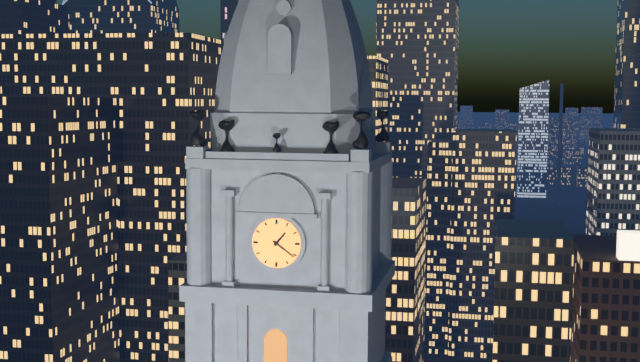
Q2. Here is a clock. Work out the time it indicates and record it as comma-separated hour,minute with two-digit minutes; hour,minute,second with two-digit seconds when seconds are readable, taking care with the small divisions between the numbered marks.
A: 1,21
